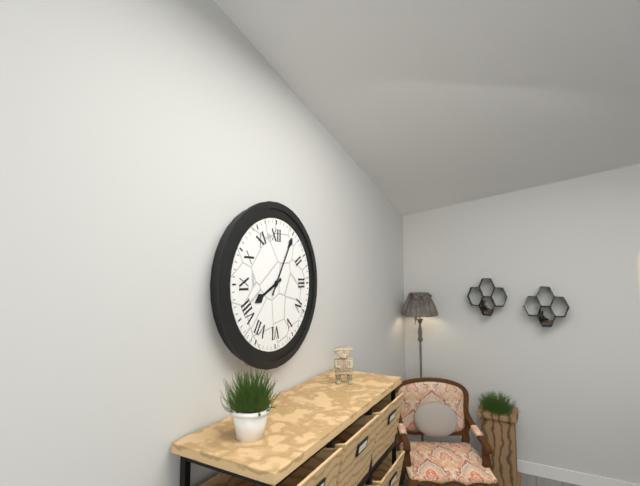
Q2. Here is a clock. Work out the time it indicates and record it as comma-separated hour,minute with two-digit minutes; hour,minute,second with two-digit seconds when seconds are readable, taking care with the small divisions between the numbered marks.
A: 8,05
